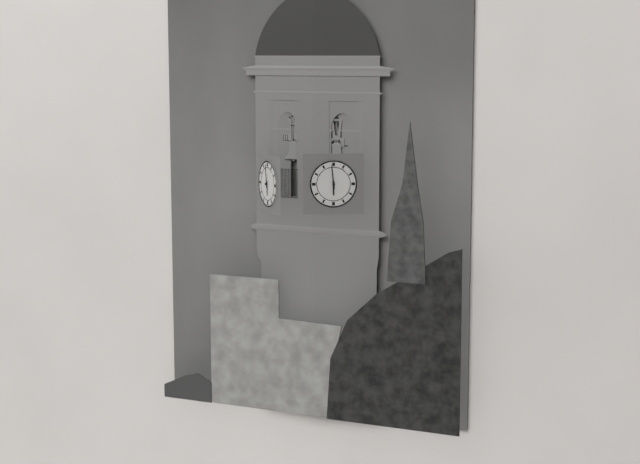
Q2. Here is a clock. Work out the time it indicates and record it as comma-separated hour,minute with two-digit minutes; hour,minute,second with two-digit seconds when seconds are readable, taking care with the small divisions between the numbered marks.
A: 5,59
